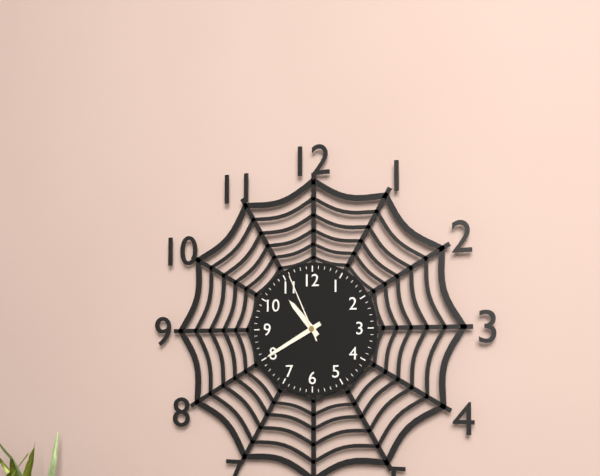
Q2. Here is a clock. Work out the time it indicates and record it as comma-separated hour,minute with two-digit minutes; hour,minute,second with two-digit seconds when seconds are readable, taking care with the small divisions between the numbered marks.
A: 10,40,56
